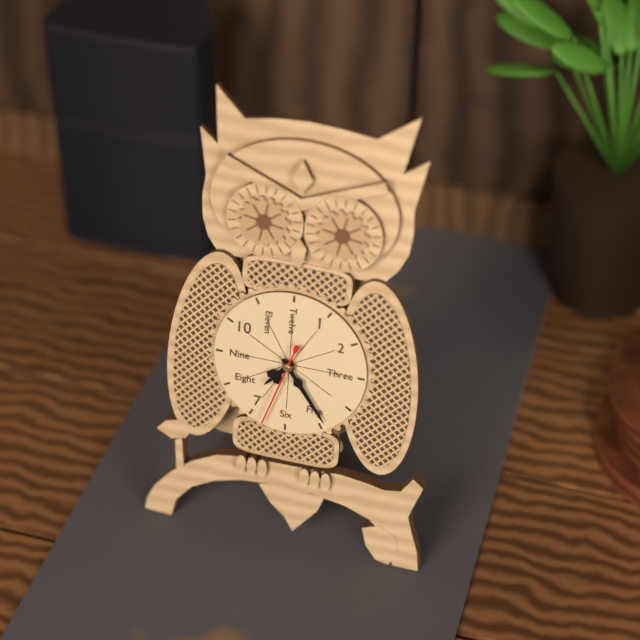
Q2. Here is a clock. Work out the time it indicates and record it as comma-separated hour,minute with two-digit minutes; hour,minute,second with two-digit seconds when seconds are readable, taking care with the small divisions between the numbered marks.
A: 7,24,33
